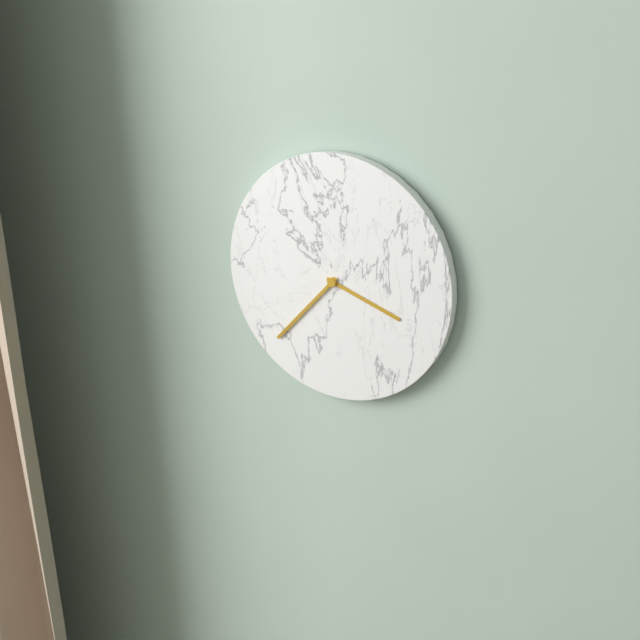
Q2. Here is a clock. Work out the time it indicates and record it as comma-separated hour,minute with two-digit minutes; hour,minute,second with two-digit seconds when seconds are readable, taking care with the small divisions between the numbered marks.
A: 3,37
